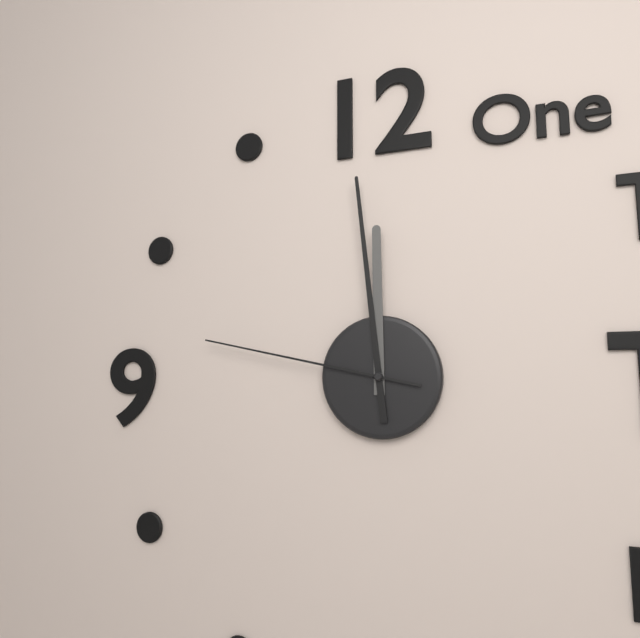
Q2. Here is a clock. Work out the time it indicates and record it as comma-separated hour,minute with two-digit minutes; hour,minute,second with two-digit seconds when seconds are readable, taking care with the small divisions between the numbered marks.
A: 11,59,47
